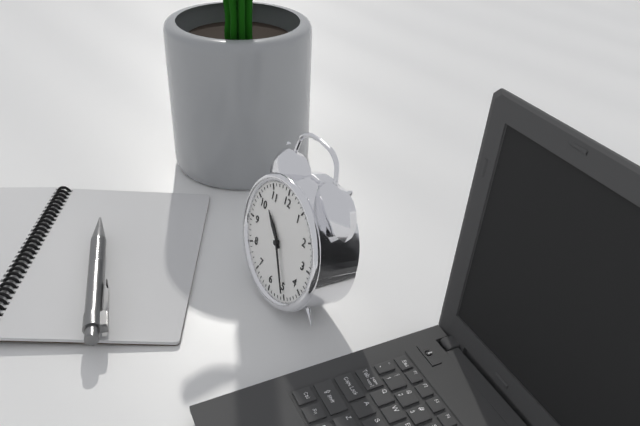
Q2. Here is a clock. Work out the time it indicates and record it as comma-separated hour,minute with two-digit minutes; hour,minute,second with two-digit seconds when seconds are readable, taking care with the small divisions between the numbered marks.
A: 10,25
